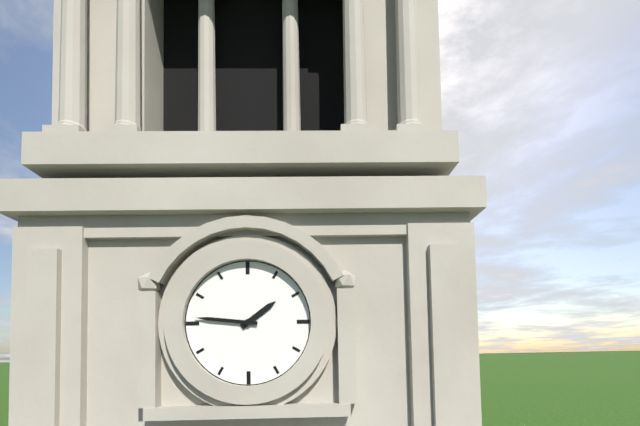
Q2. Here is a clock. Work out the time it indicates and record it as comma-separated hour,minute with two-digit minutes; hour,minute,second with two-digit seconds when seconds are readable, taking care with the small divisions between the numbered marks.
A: 1,46
